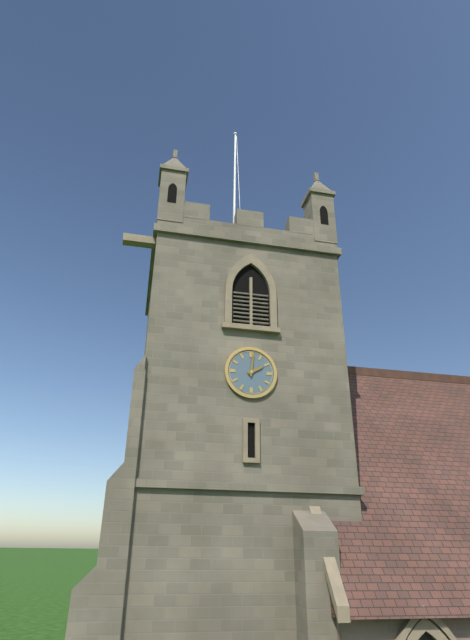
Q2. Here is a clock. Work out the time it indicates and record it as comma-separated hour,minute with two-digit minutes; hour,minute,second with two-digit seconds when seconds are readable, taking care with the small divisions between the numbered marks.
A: 2,01
